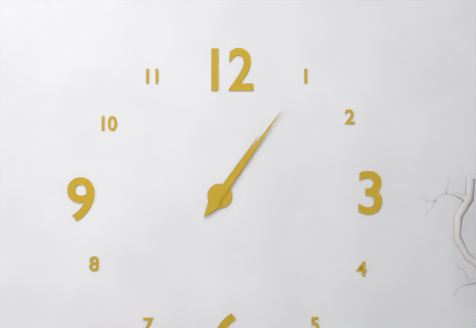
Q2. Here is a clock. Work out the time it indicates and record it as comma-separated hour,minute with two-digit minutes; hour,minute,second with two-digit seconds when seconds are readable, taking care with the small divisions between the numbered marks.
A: 1,06
